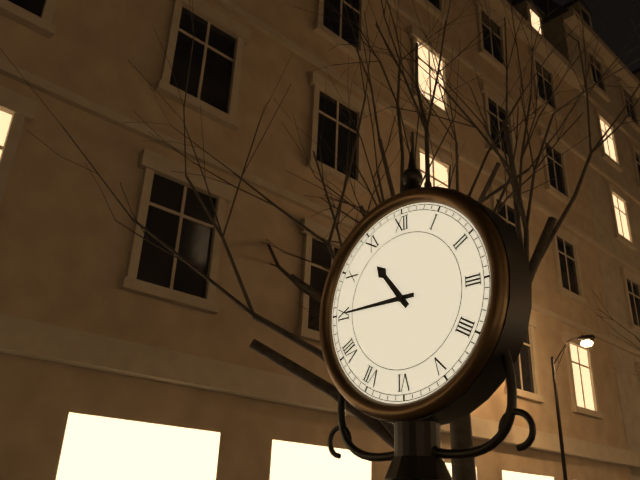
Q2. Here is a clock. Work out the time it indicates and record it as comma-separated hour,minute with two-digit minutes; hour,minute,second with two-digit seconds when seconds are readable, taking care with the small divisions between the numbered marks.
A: 10,45
